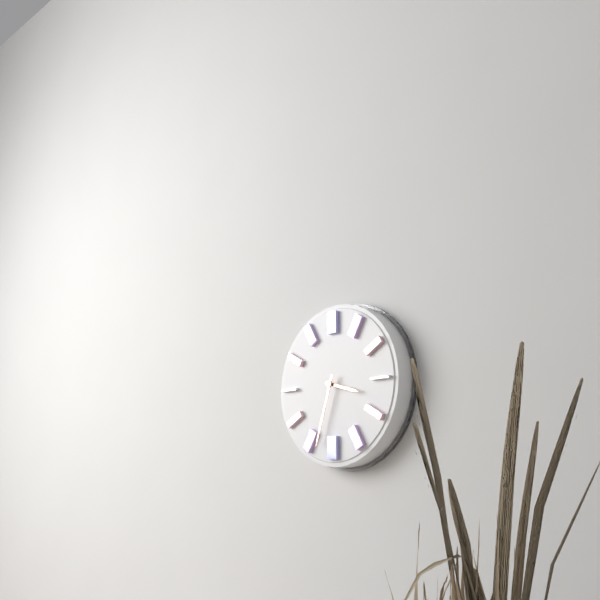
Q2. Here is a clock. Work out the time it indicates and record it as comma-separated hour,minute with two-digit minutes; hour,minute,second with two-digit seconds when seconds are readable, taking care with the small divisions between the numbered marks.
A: 3,33
